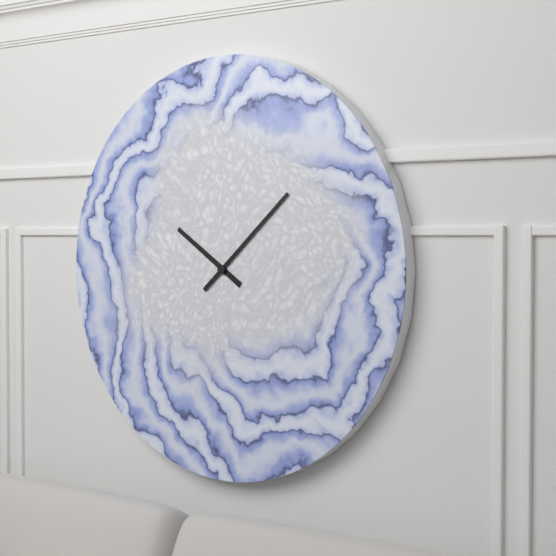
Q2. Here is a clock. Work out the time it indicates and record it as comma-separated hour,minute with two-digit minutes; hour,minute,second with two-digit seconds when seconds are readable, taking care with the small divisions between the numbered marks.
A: 10,08
